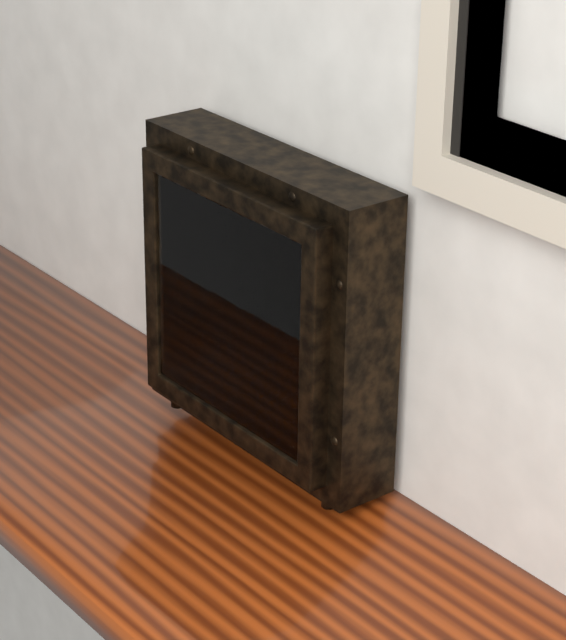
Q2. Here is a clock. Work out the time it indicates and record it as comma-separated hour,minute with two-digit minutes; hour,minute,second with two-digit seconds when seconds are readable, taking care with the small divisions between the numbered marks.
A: 5,24
